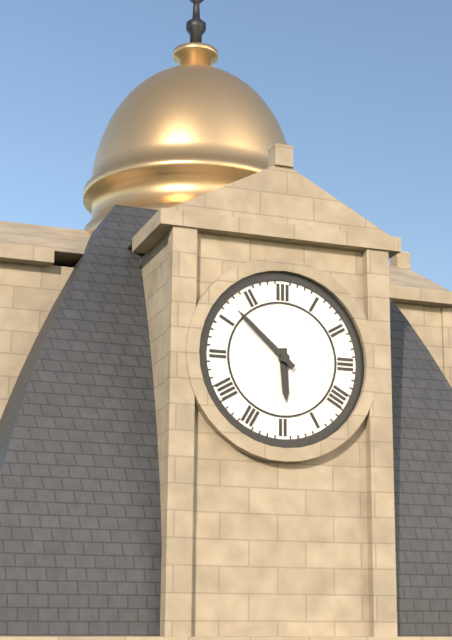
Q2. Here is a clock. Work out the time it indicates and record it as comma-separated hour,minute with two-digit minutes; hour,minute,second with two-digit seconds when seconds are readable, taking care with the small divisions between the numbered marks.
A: 5,52
